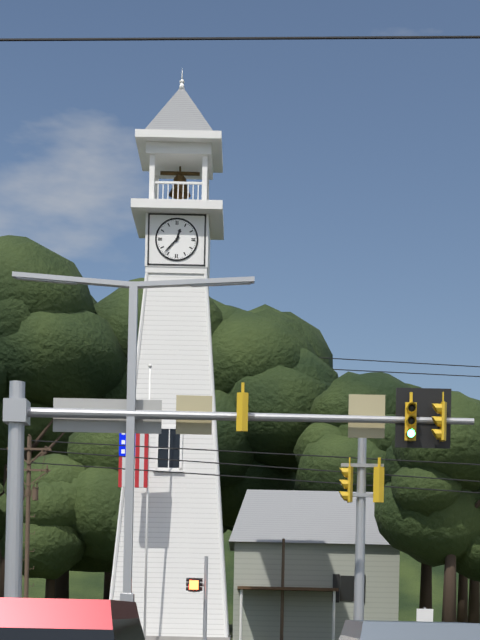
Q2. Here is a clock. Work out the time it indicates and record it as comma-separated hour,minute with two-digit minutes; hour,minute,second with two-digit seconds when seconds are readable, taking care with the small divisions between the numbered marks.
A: 12,37
